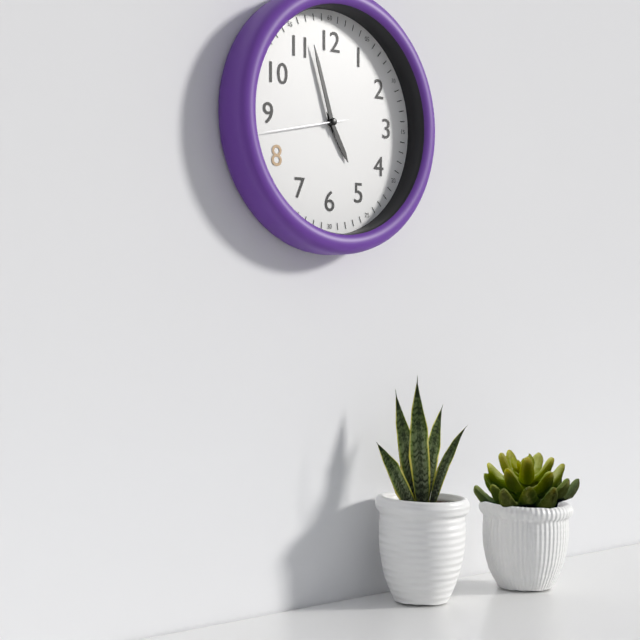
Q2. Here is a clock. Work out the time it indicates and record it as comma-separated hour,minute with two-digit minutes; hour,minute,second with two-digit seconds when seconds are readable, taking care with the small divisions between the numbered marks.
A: 4,57,43
